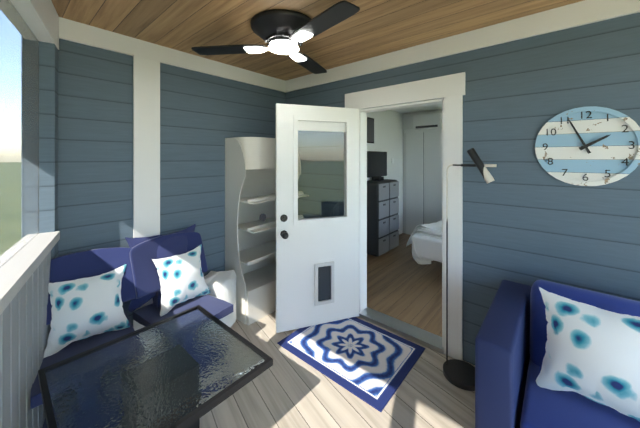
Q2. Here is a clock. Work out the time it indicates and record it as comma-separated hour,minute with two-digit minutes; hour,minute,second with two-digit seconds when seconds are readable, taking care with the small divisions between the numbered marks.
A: 1,56
